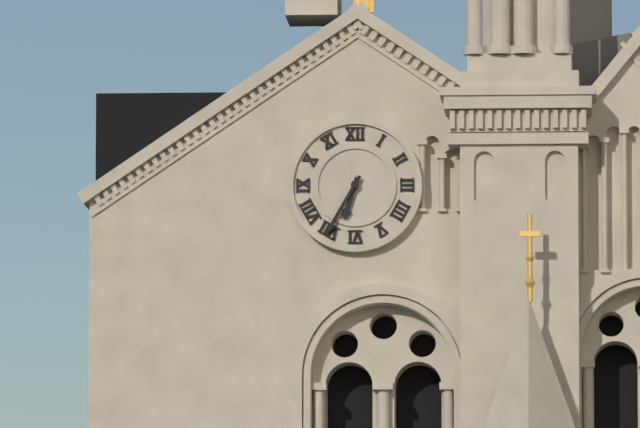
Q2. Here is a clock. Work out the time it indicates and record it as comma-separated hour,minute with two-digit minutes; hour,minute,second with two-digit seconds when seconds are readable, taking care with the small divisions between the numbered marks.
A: 6,35
